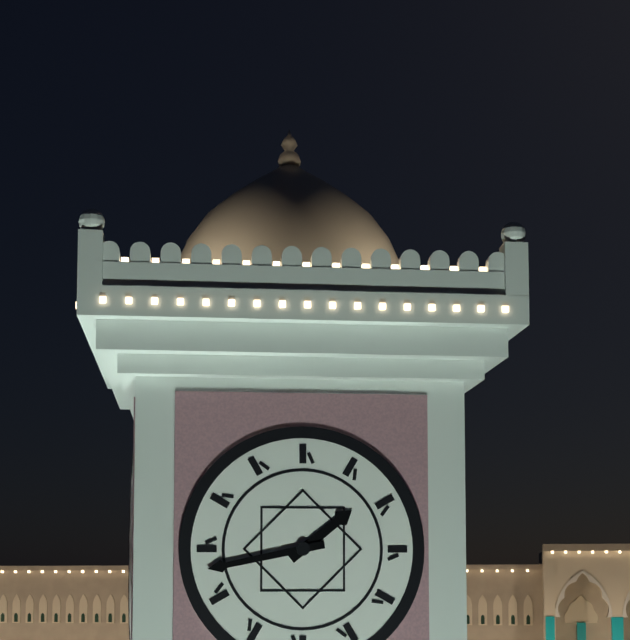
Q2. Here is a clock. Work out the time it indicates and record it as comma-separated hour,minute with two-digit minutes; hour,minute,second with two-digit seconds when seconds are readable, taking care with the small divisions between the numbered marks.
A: 1,43
